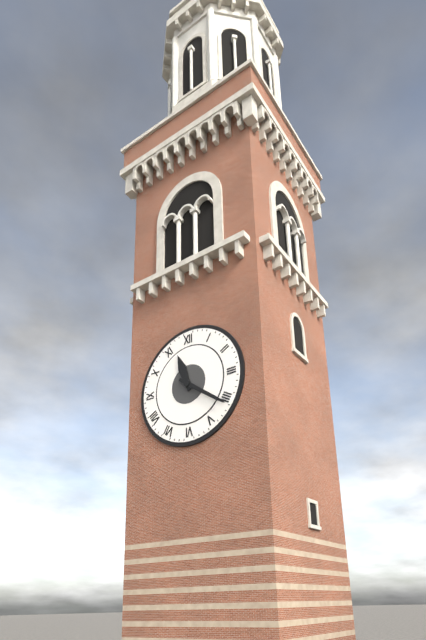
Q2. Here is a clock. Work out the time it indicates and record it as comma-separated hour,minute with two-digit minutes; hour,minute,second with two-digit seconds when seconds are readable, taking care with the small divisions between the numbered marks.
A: 11,21
